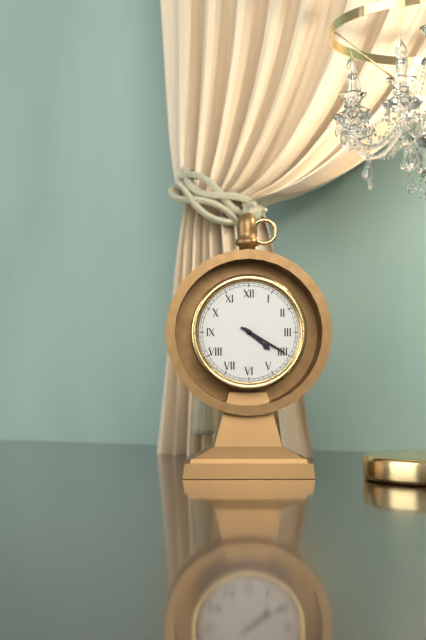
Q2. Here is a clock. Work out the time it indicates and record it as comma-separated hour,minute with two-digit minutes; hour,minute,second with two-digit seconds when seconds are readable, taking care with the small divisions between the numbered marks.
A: 4,20
